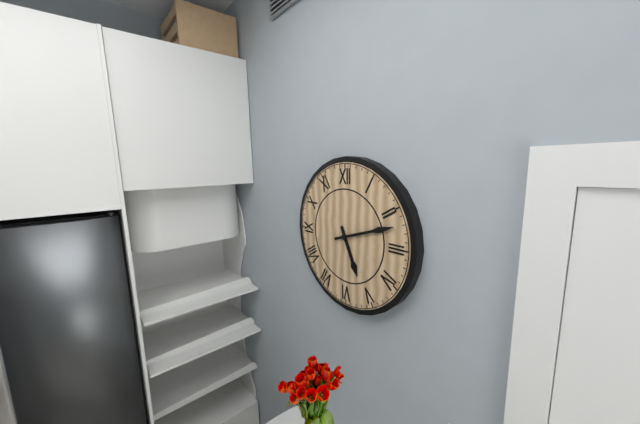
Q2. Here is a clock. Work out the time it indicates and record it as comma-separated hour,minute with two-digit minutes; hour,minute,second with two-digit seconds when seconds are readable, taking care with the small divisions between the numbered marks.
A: 5,12
